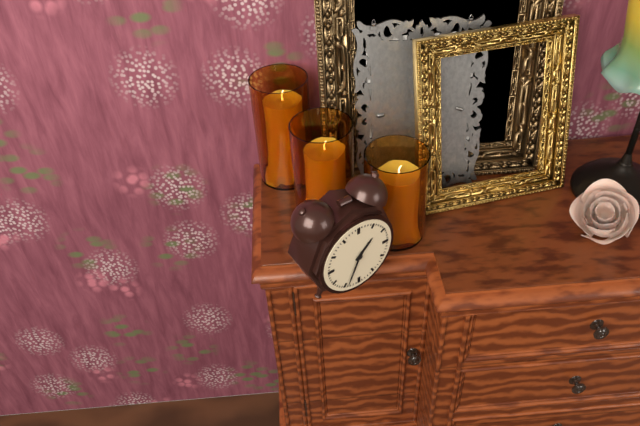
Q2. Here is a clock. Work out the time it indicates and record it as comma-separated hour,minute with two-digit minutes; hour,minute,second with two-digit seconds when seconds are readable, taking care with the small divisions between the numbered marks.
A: 1,34
